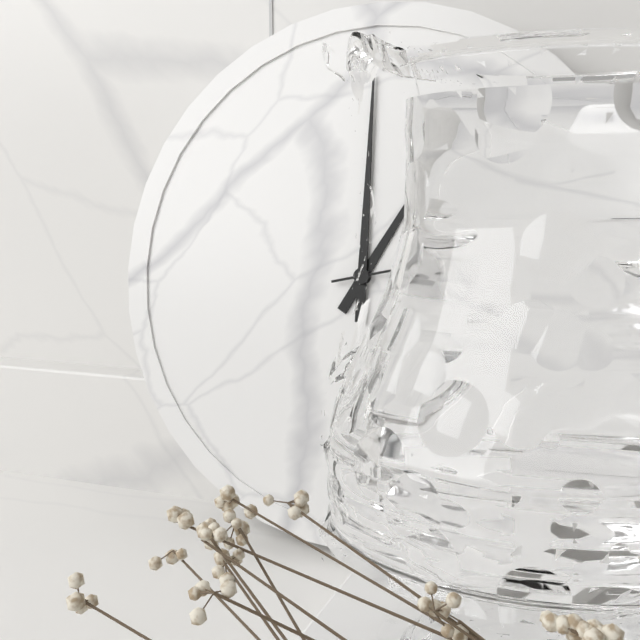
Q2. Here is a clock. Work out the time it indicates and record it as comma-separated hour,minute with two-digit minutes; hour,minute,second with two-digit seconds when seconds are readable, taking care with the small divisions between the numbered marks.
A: 1,00,13
